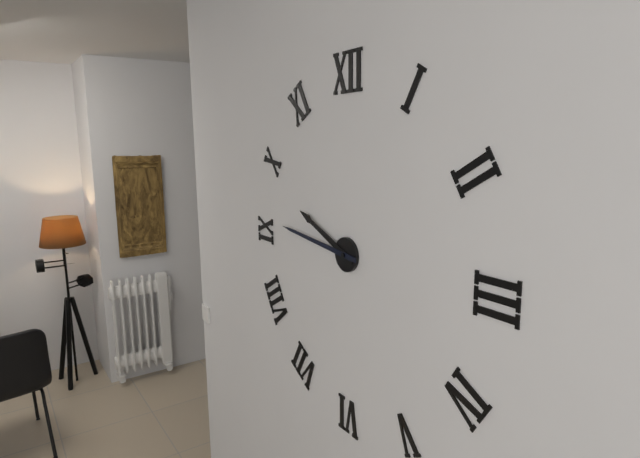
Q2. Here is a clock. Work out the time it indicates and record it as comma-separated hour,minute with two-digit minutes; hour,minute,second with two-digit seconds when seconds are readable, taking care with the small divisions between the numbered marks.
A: 9,46
